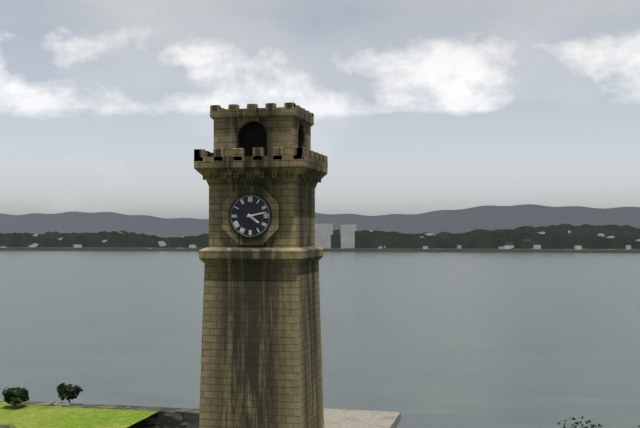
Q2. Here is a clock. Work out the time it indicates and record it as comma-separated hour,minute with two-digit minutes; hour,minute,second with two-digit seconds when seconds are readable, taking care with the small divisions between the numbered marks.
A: 4,13
